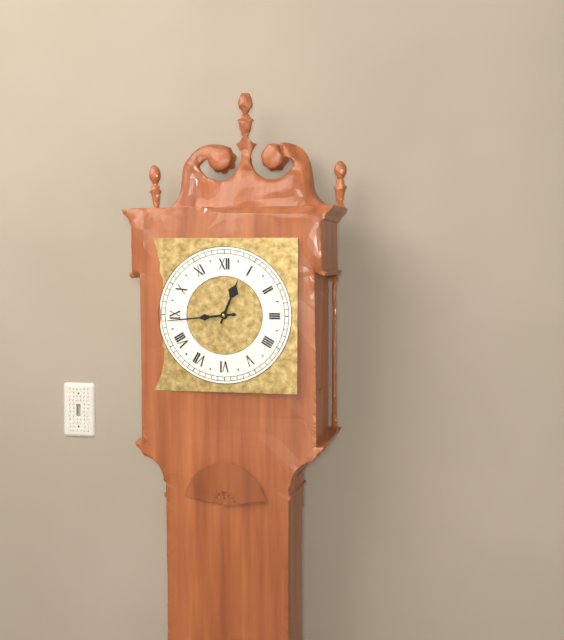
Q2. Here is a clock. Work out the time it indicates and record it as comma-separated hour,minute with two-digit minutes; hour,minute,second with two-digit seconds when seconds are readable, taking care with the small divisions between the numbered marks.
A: 12,44
